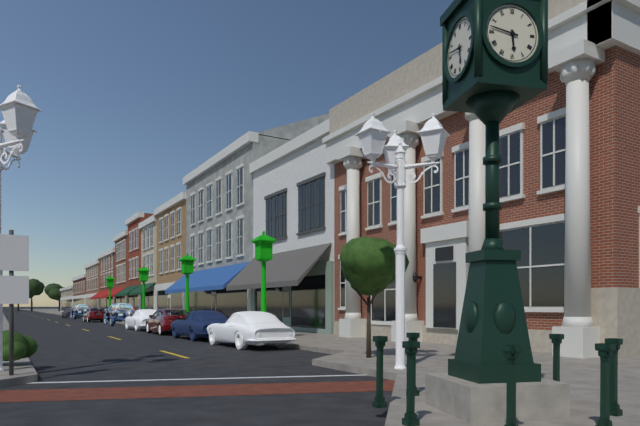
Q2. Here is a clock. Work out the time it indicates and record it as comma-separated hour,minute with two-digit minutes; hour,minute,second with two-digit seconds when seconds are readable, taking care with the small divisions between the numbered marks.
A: 5,47
